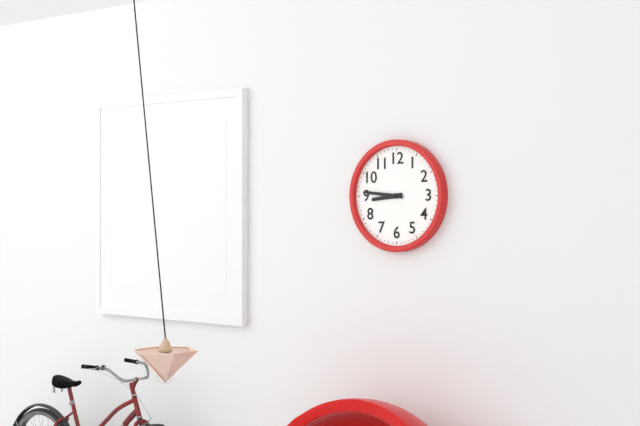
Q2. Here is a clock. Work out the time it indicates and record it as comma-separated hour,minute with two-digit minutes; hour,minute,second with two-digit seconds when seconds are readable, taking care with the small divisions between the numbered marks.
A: 8,46
